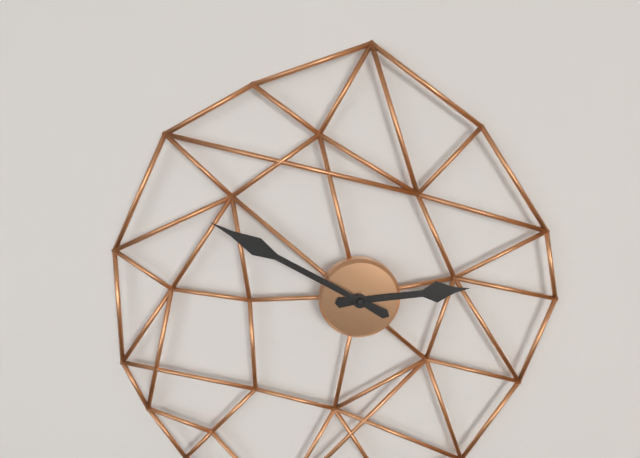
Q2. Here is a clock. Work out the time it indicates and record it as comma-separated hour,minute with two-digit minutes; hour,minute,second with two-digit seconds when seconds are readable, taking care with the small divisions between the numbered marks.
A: 2,50
